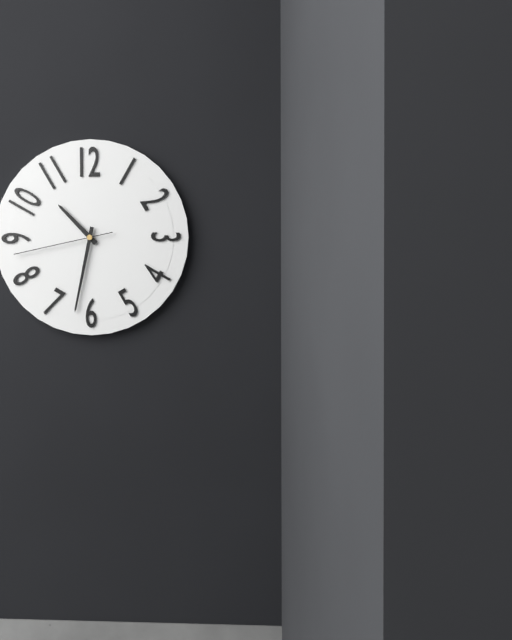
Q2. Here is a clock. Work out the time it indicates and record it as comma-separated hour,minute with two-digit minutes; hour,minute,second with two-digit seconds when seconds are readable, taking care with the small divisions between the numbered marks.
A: 10,32,43
